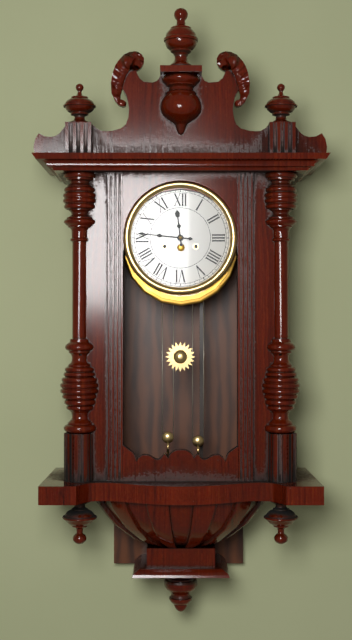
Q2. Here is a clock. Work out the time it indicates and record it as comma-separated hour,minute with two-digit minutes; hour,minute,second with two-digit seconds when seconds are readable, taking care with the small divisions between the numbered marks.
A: 11,46
